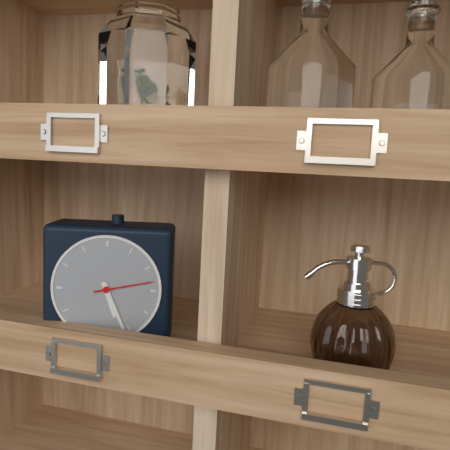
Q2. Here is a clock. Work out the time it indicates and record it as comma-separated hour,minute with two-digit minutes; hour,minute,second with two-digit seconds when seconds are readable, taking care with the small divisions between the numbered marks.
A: 5,26,13
